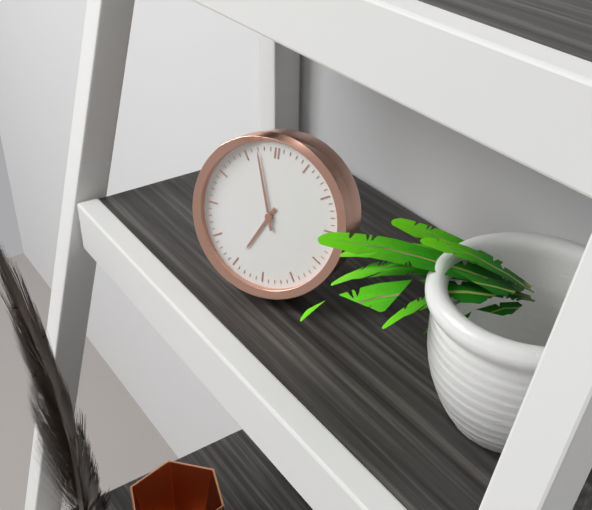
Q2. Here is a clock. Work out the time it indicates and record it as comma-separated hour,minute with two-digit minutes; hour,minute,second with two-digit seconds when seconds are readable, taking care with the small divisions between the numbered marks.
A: 6,57
